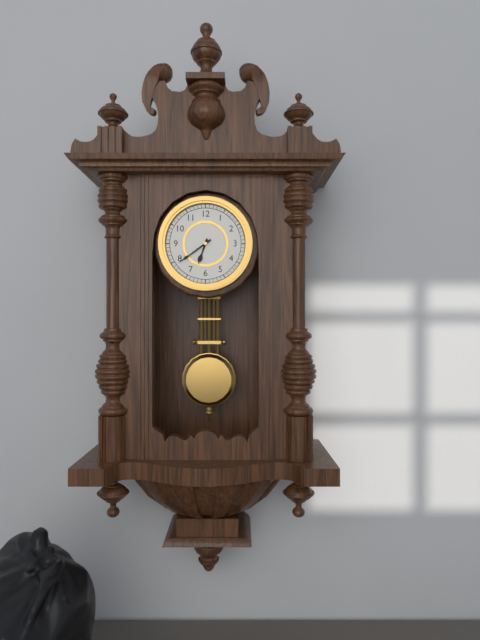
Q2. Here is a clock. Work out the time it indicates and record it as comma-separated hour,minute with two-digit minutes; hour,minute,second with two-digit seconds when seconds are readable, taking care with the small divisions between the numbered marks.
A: 6,39
